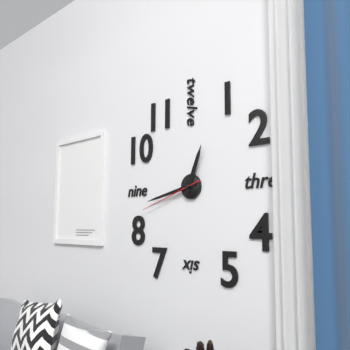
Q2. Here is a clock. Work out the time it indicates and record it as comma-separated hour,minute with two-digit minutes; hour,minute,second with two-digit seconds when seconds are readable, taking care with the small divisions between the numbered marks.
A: 12,43,42
